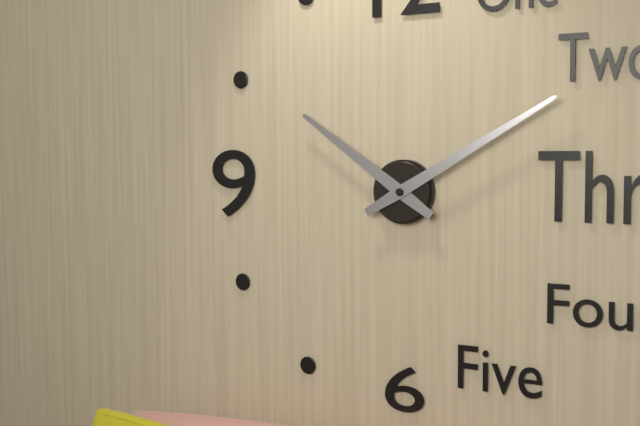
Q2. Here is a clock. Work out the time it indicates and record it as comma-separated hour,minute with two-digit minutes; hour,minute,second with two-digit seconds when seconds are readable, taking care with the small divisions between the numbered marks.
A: 10,10
